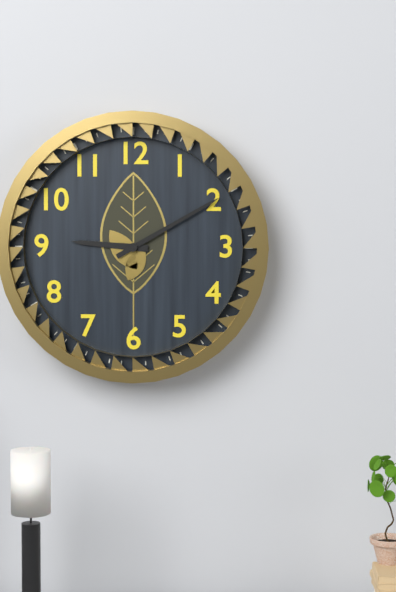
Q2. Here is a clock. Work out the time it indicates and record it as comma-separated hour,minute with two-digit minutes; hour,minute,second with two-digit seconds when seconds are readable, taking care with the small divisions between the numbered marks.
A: 9,10
